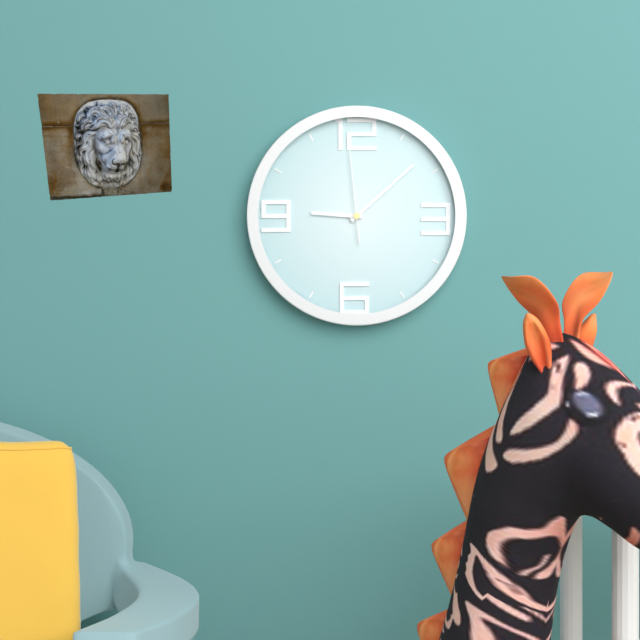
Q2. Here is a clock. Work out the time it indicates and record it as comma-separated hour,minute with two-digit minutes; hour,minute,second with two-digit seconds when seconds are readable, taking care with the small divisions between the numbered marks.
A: 9,08,59
